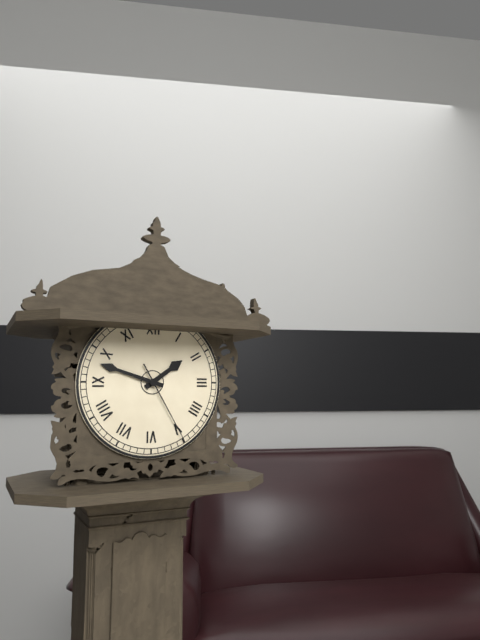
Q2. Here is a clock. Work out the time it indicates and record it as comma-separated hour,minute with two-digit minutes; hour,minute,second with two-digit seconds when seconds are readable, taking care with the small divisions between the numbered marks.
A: 1,48,25
